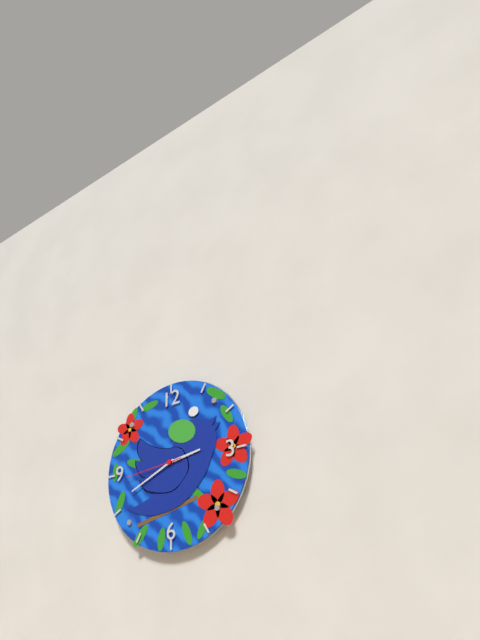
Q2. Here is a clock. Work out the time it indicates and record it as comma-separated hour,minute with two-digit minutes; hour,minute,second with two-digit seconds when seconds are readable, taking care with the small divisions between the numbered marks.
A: 2,41,44
